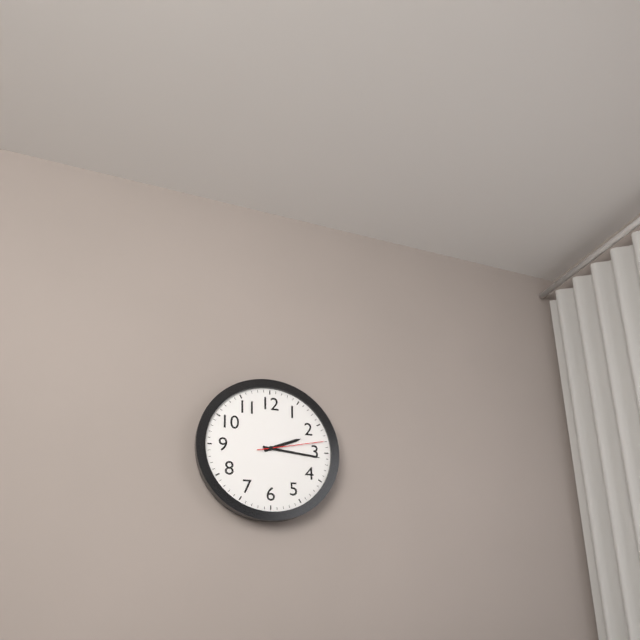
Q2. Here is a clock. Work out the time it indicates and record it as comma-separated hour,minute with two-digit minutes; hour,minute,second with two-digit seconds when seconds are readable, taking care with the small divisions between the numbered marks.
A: 2,16,13
